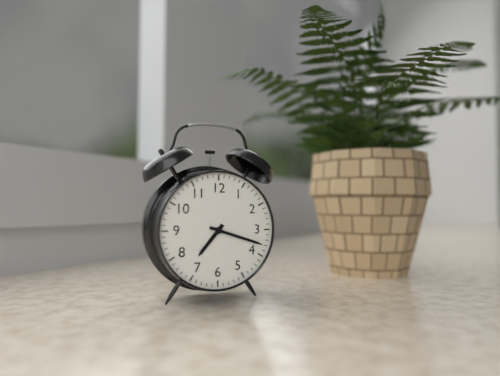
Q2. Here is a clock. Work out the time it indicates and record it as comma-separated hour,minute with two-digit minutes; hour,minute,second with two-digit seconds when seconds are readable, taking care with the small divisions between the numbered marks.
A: 7,18
